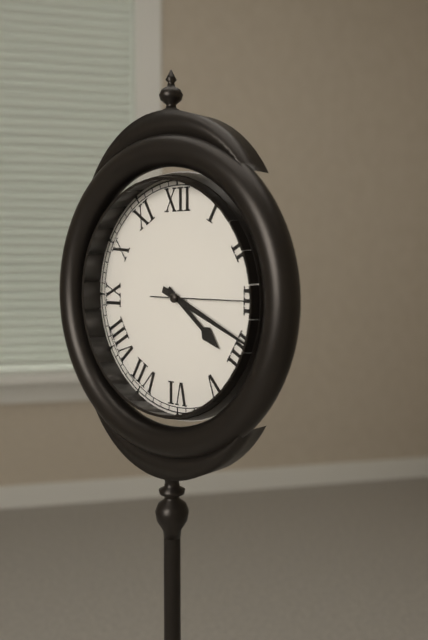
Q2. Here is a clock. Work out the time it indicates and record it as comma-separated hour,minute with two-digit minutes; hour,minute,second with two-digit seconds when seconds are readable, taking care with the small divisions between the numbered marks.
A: 4,19,15
